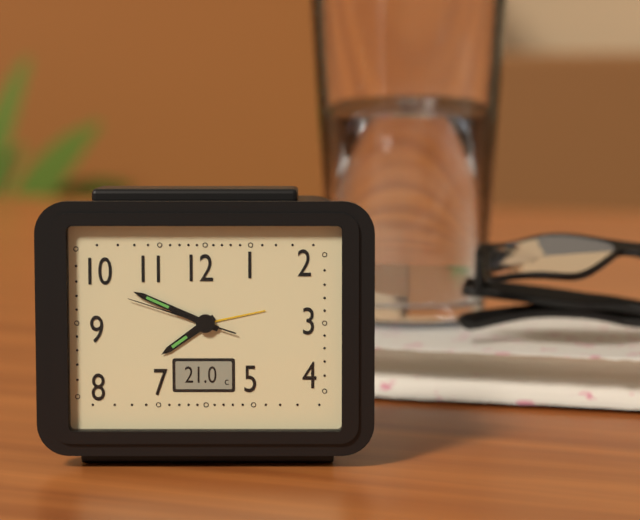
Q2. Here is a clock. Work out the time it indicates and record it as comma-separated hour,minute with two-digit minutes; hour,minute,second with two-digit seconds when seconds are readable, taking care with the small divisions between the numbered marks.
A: 7,49,48
